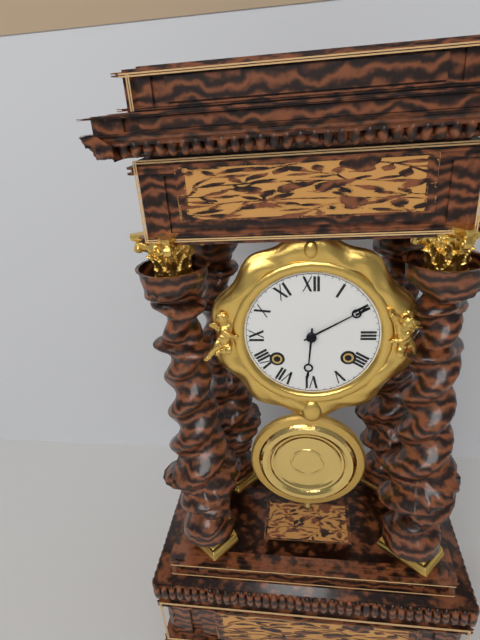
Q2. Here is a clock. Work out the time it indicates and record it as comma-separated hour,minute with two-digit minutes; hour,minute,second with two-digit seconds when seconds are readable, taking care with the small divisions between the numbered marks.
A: 6,10
